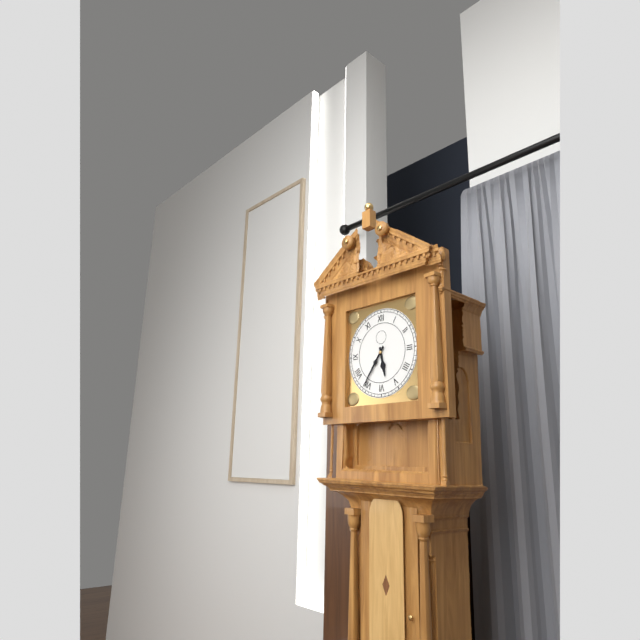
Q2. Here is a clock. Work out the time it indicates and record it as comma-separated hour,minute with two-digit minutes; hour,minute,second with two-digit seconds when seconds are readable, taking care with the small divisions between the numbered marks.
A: 5,36
